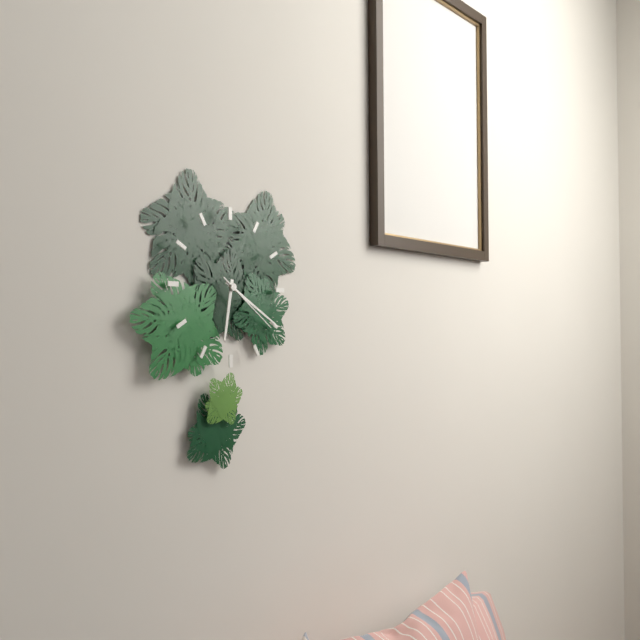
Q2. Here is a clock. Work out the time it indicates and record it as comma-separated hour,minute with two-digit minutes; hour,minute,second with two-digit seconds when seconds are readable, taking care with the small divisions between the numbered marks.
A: 6,20,21
